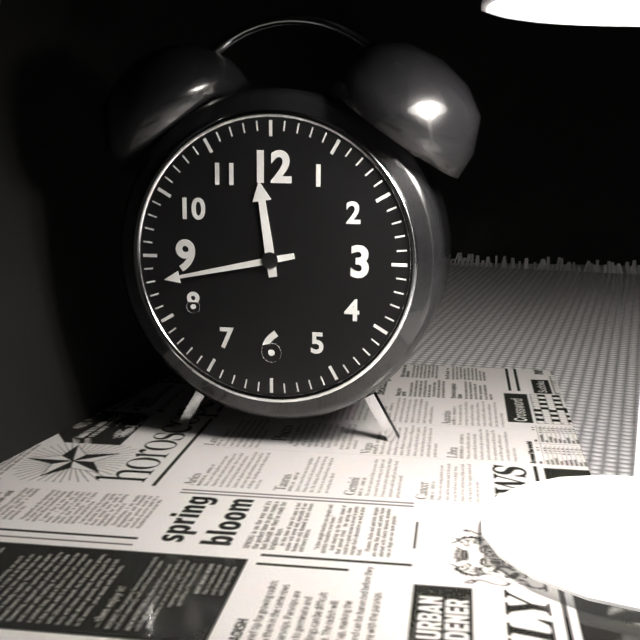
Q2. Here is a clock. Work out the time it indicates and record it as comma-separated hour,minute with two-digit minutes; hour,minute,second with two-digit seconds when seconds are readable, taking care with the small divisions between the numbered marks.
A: 11,43
